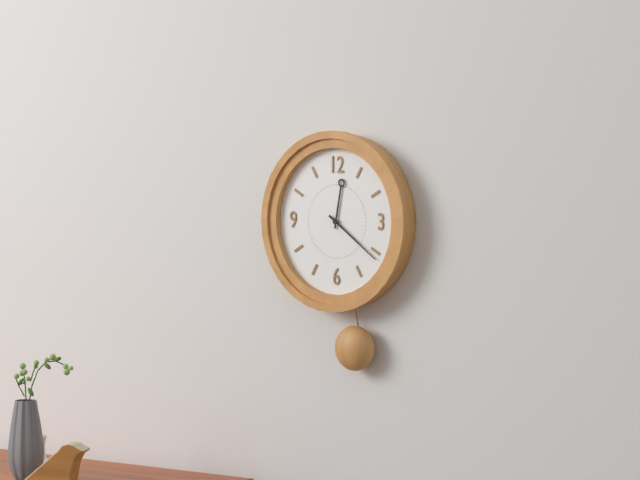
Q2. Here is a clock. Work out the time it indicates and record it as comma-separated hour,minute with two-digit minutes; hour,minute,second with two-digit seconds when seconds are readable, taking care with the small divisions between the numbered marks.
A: 12,21
